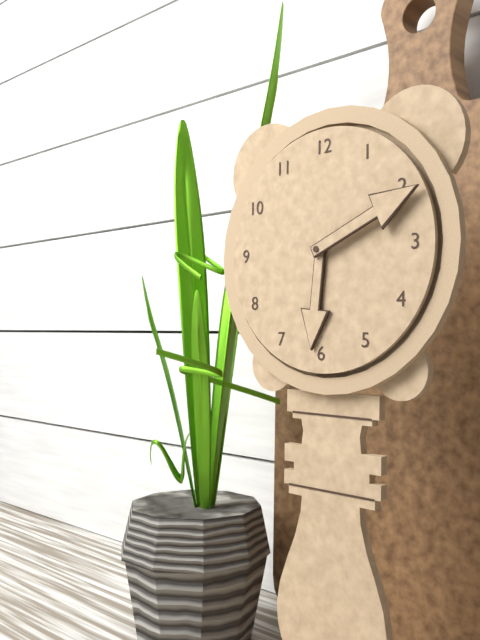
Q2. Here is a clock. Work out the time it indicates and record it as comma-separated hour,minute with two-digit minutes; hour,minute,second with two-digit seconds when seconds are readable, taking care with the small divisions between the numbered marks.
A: 6,11
